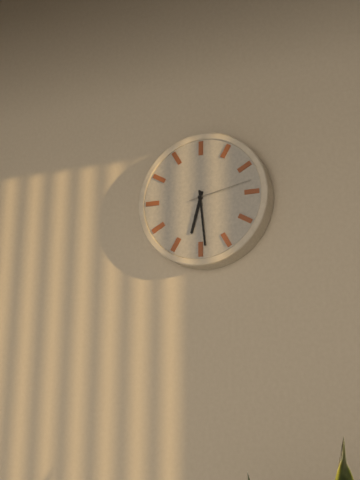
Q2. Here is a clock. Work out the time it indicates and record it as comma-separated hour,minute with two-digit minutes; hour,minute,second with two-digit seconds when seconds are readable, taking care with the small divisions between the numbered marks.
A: 6,29,13
